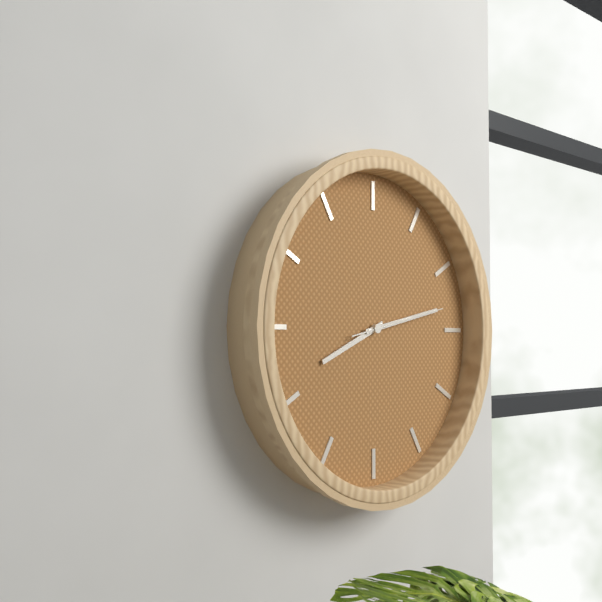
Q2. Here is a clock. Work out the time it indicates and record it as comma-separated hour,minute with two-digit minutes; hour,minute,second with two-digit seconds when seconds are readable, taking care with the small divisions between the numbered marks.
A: 8,13,13
